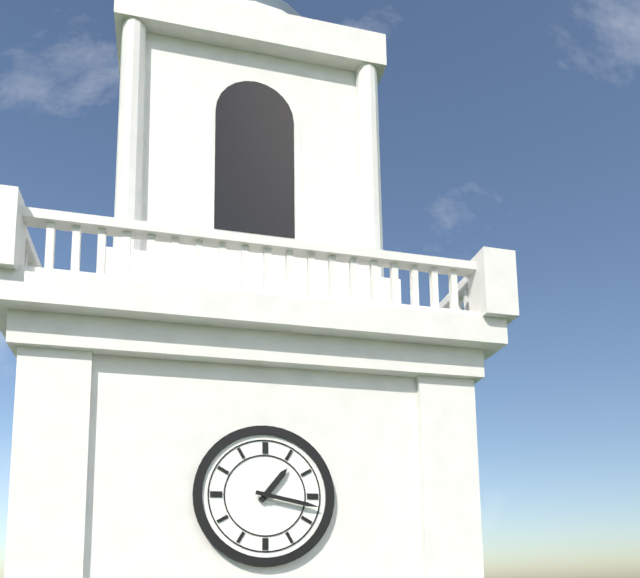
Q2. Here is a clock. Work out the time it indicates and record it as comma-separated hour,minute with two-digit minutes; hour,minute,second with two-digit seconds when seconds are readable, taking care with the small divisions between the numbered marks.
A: 1,17
